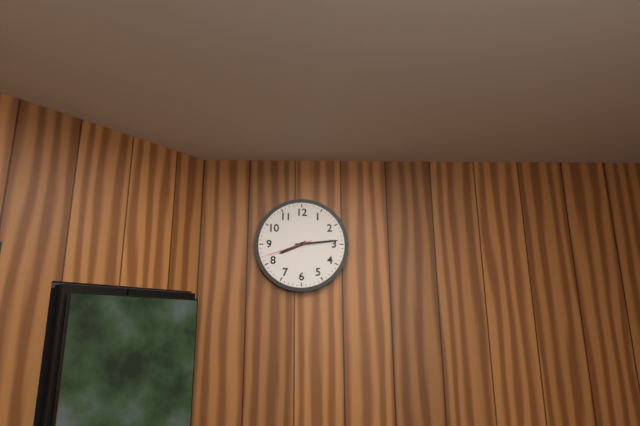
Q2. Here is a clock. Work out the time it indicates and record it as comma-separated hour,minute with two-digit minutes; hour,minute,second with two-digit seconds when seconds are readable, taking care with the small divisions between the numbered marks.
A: 8,14
